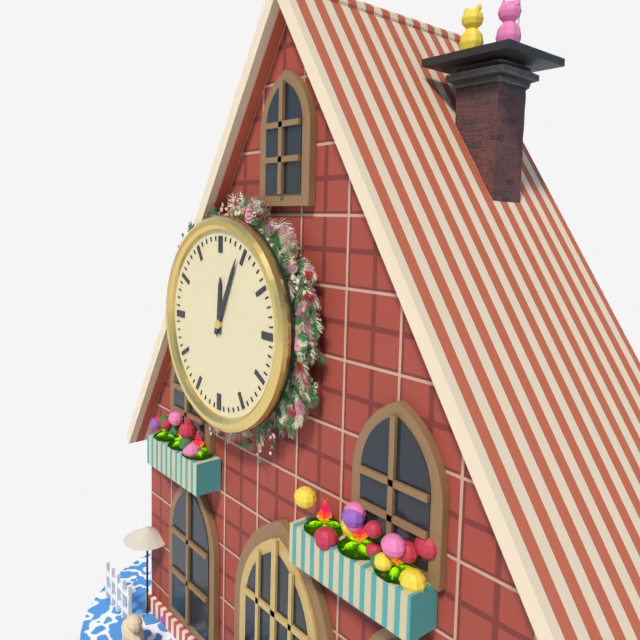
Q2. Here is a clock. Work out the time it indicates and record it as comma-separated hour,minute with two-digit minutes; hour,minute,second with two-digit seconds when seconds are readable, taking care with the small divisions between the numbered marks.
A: 12,04
